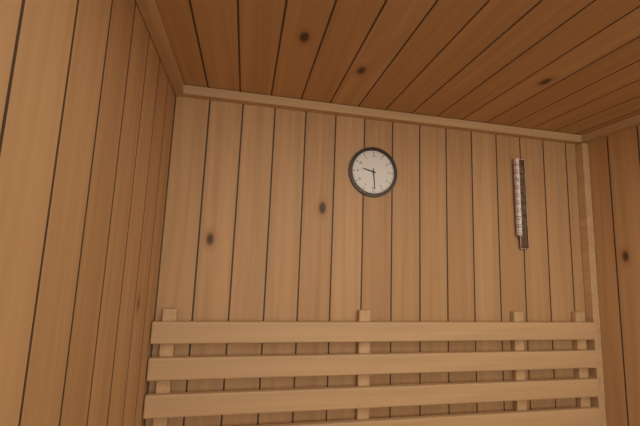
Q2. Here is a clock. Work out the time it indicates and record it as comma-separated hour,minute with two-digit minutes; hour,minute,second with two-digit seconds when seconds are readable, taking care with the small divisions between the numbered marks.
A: 9,29
